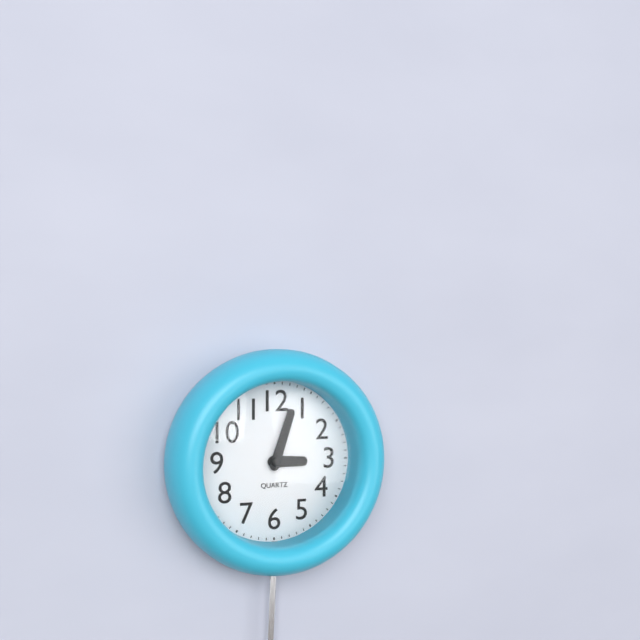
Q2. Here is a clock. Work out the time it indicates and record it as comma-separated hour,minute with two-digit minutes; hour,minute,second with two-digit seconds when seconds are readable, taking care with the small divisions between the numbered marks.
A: 3,03
